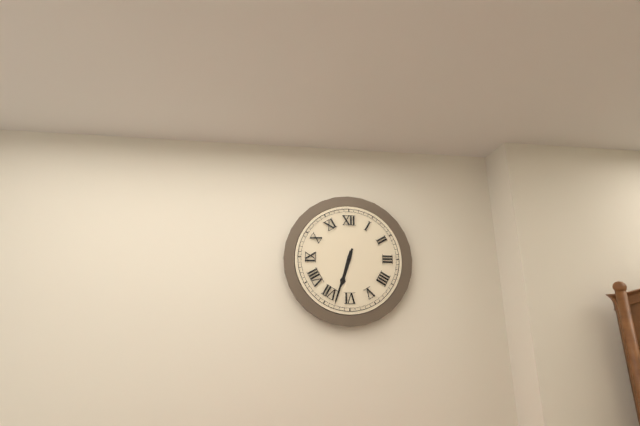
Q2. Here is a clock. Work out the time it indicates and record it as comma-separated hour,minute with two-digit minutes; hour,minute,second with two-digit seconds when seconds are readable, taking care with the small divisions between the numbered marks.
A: 6,33
